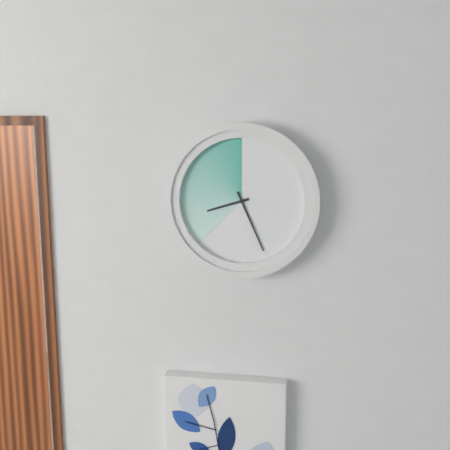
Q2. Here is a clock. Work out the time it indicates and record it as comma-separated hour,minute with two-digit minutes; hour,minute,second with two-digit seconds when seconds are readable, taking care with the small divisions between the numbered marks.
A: 8,26
